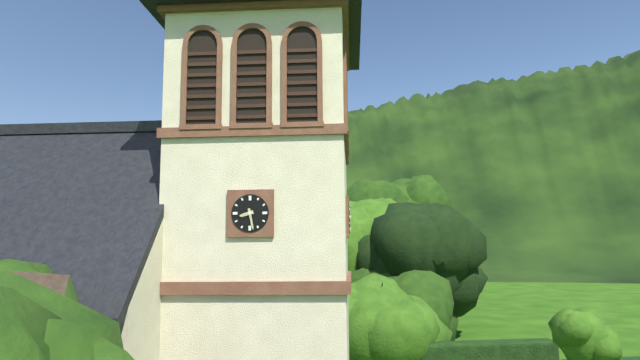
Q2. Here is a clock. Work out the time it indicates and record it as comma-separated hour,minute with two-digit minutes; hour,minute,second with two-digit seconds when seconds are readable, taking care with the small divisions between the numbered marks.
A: 8,28
